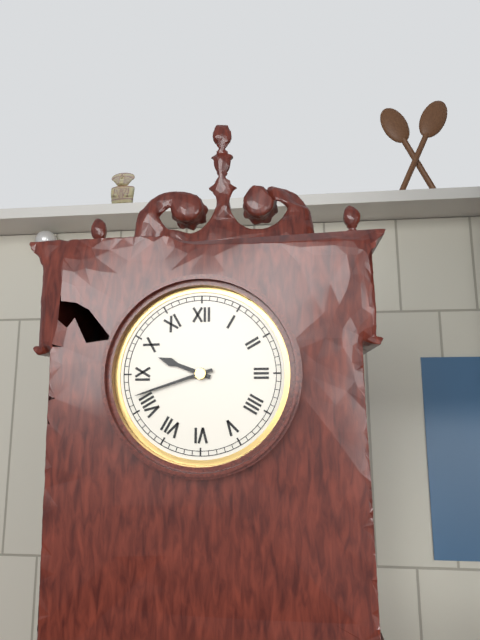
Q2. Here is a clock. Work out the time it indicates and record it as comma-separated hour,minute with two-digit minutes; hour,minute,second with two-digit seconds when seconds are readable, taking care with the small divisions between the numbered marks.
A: 9,42
